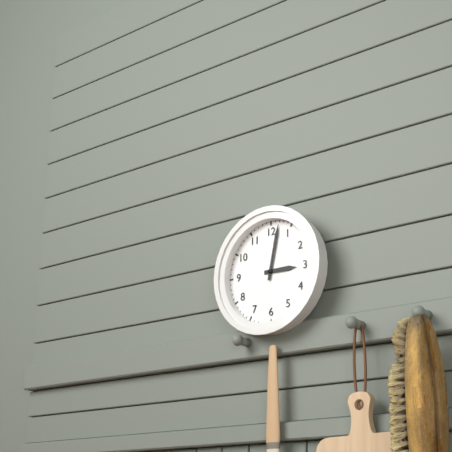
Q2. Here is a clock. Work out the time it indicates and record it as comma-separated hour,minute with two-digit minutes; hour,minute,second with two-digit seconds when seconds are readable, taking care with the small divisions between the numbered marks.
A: 3,02
